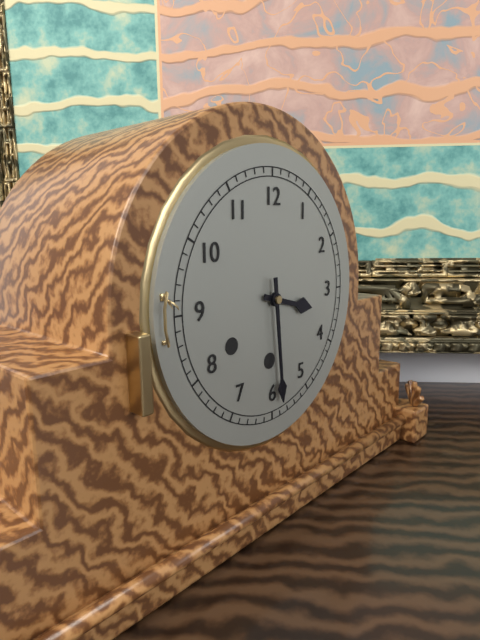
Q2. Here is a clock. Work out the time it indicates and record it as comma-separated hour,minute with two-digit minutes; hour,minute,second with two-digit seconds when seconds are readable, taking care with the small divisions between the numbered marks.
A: 3,29
